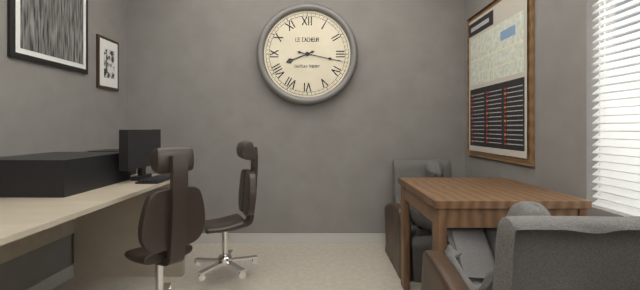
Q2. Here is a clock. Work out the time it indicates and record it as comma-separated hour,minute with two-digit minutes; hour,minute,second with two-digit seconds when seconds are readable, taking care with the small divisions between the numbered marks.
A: 8,17
